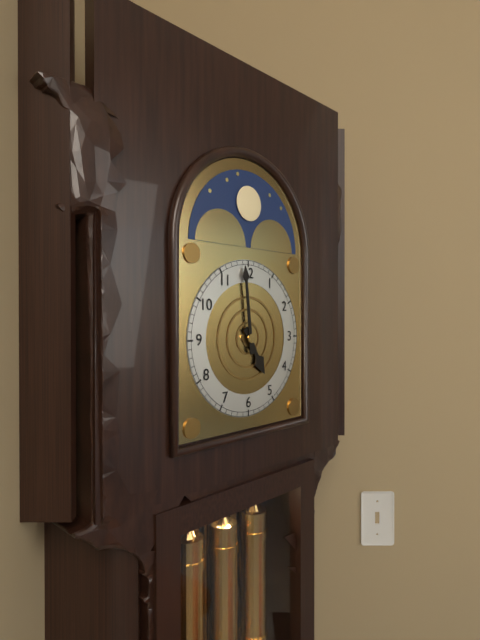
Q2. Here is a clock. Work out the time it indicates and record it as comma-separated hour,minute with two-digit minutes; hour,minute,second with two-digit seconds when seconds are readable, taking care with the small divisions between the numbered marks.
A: 4,59
